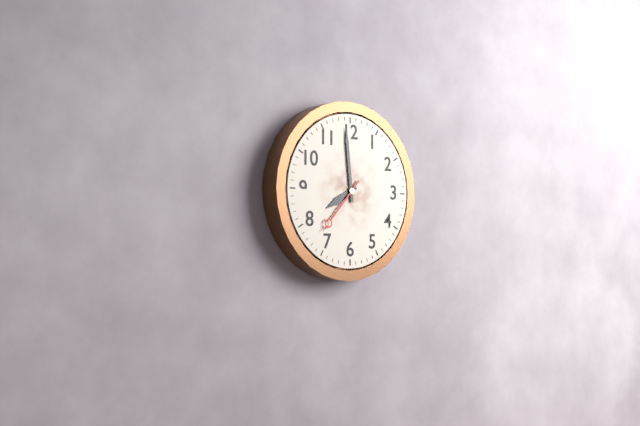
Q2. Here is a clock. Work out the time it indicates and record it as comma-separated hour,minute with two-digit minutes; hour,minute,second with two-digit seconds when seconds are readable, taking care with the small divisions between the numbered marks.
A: 7,59,37
